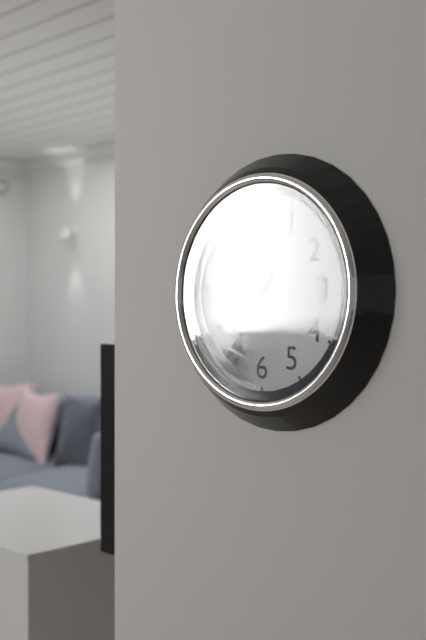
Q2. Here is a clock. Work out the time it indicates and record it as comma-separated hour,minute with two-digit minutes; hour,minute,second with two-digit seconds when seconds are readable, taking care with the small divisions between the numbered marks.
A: 7,36
